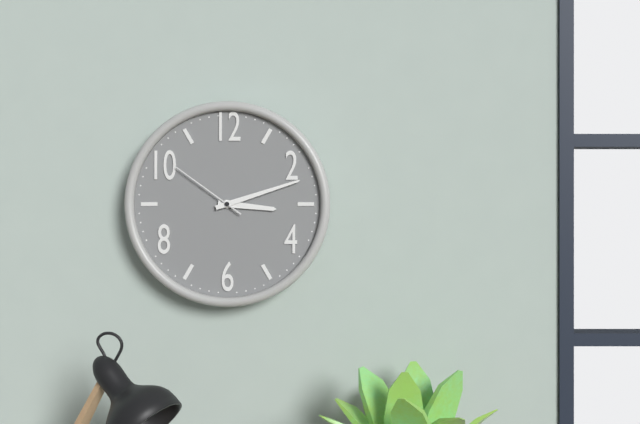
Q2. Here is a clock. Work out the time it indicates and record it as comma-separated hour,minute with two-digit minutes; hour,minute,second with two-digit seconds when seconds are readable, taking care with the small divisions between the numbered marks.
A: 3,12,51
